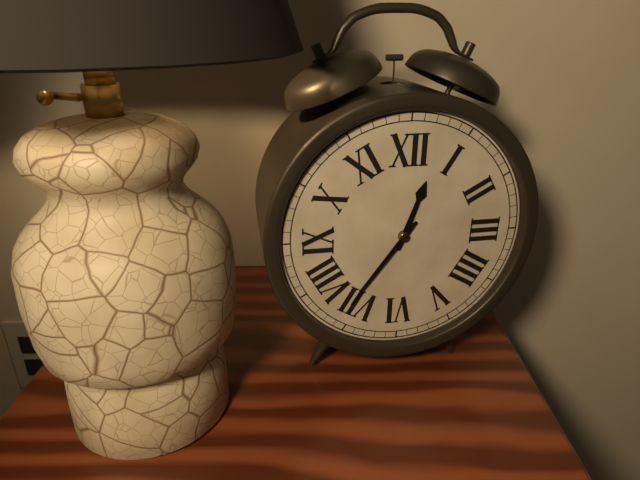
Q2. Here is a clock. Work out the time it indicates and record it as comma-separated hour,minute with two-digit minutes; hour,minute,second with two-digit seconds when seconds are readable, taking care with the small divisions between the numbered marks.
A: 12,36
